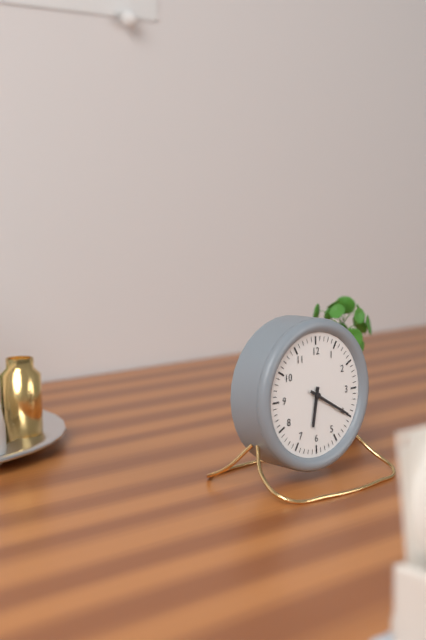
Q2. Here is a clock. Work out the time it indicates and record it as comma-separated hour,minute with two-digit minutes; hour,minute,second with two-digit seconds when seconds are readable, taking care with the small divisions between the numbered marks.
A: 6,20
